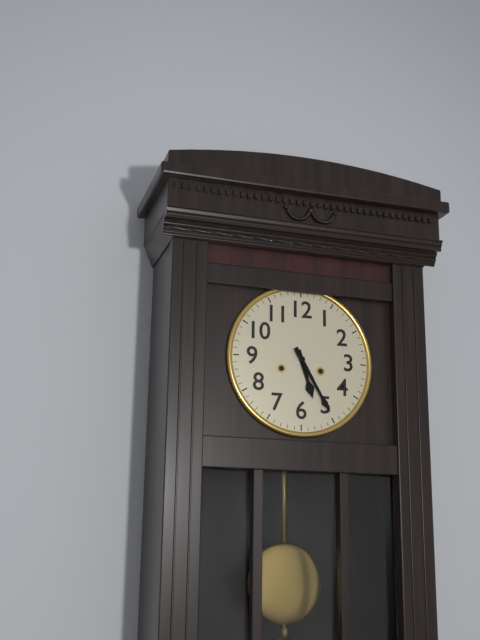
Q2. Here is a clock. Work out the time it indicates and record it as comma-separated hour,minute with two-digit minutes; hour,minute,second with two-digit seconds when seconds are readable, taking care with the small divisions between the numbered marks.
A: 5,25
